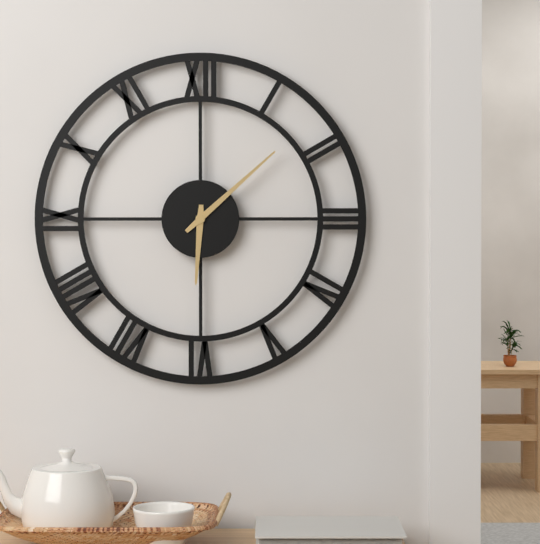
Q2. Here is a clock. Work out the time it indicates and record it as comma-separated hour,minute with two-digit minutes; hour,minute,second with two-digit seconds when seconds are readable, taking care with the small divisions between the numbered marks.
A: 6,08
